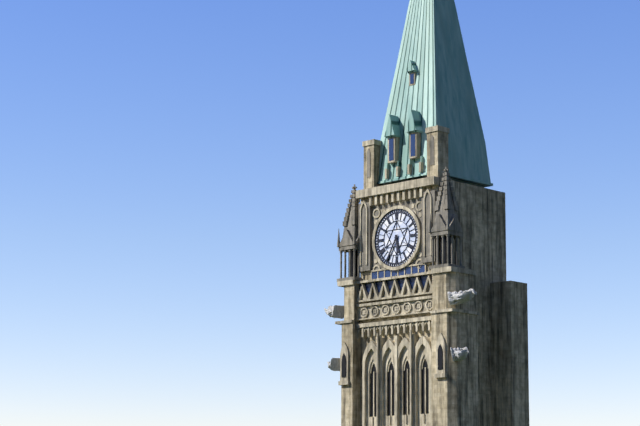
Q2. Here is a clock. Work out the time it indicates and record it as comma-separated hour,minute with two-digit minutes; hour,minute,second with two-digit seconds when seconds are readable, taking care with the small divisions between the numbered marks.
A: 5,35
